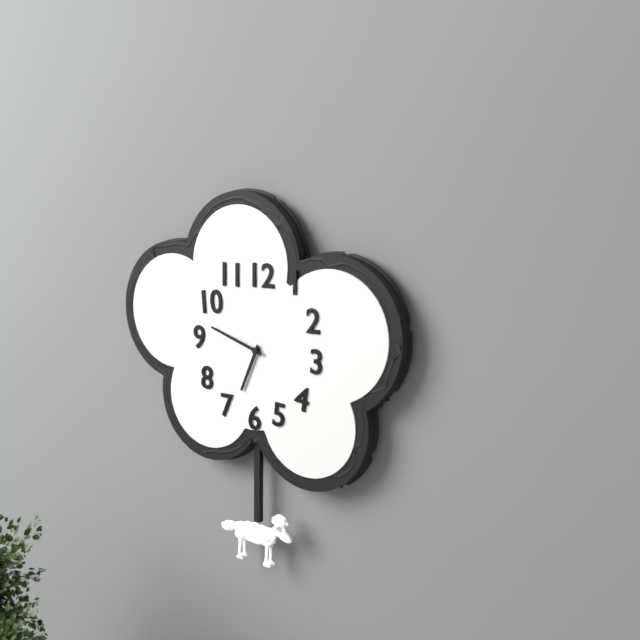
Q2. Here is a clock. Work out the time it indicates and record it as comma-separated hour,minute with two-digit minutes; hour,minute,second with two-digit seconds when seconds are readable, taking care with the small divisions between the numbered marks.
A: 6,48
